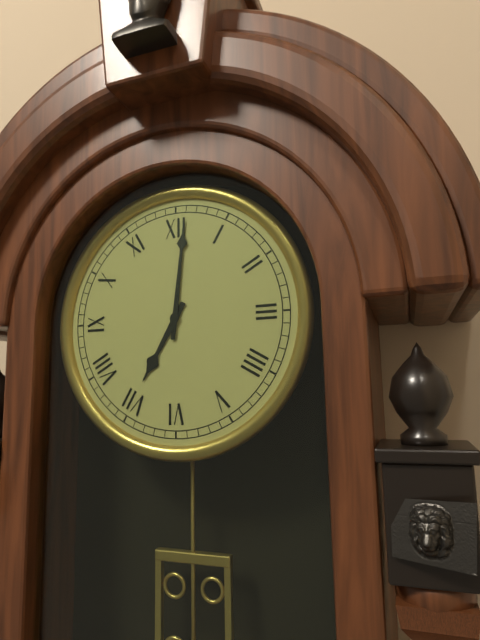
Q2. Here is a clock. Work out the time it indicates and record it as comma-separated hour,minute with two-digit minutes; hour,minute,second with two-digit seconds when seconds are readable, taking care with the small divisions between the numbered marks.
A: 7,01
